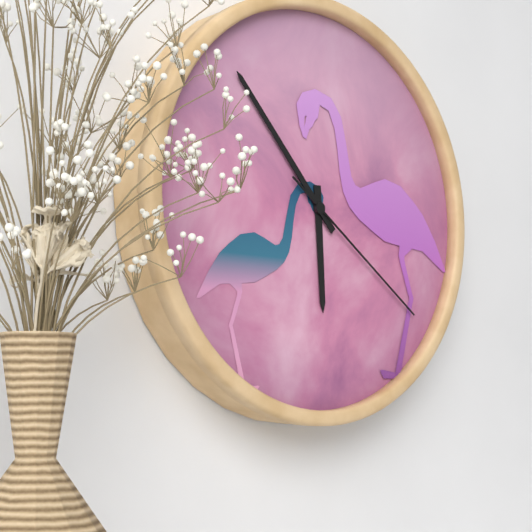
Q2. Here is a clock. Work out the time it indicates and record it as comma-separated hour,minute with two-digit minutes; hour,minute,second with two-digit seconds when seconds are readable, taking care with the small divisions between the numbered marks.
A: 5,53,21
